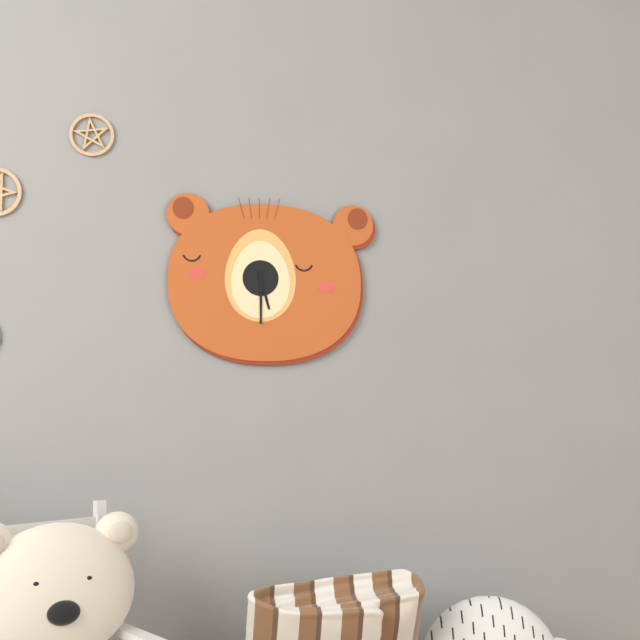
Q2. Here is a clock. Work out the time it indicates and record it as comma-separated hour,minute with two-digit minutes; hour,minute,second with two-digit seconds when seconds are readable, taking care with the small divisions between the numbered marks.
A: 5,30
